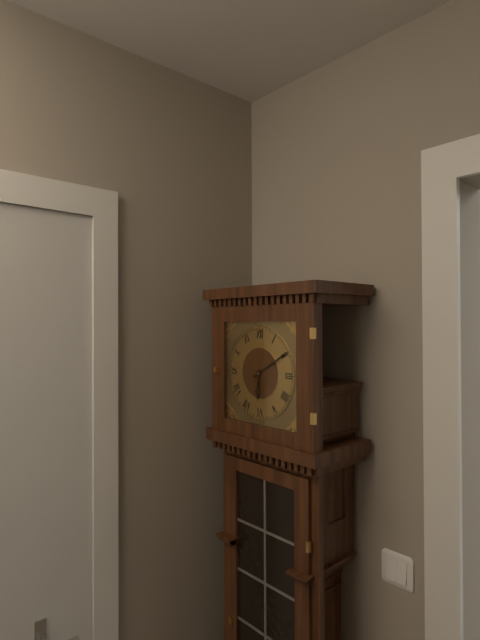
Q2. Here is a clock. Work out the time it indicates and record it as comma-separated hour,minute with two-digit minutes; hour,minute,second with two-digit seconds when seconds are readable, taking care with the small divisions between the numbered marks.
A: 6,10
